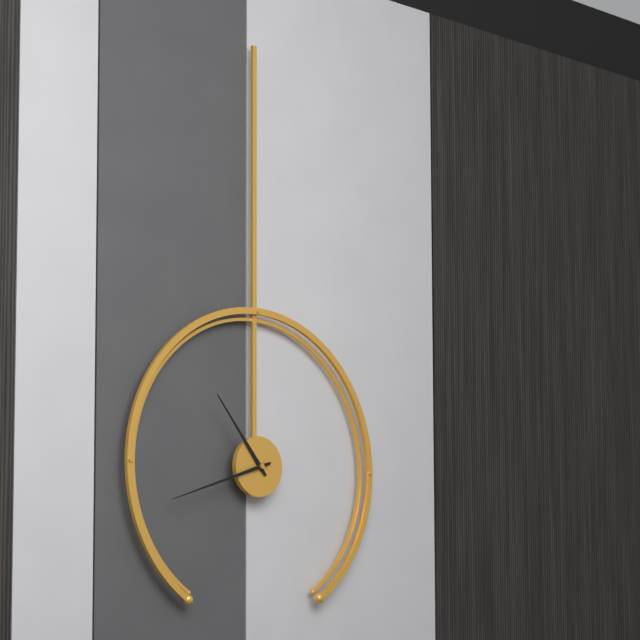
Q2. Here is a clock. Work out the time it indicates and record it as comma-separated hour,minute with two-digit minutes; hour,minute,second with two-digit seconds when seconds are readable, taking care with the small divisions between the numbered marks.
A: 10,42
